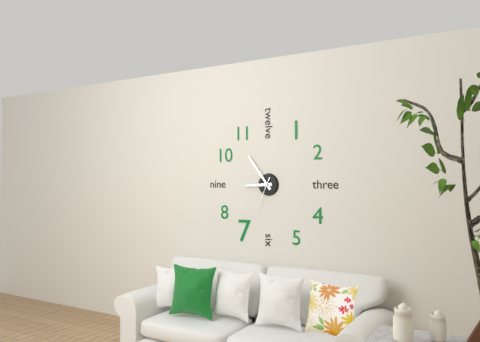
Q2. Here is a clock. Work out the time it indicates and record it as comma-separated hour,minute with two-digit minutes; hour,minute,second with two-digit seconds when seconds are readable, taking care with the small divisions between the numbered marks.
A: 8,54
